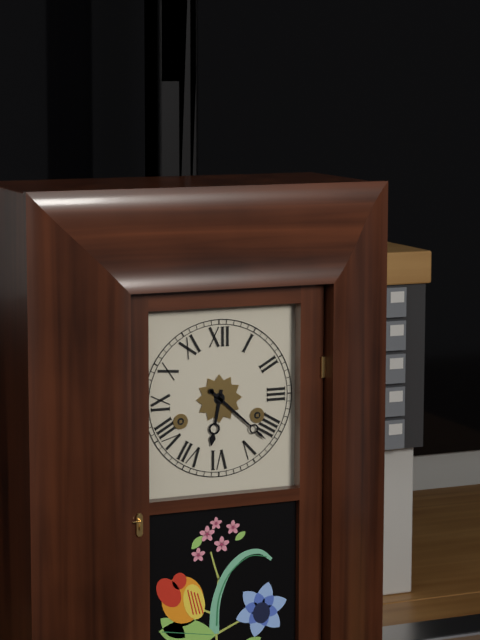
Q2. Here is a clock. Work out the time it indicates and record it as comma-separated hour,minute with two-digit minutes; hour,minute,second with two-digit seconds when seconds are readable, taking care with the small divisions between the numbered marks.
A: 6,22
